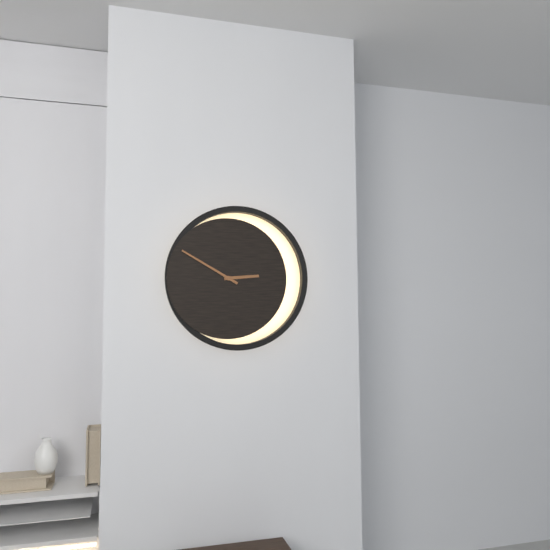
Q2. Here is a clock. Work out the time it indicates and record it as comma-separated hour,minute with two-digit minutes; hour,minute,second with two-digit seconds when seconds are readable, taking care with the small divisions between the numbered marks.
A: 2,50
